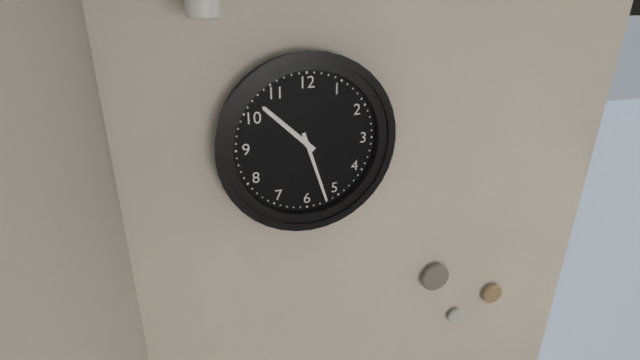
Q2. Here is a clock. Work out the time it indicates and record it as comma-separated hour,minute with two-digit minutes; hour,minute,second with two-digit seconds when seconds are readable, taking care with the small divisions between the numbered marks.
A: 10,27
